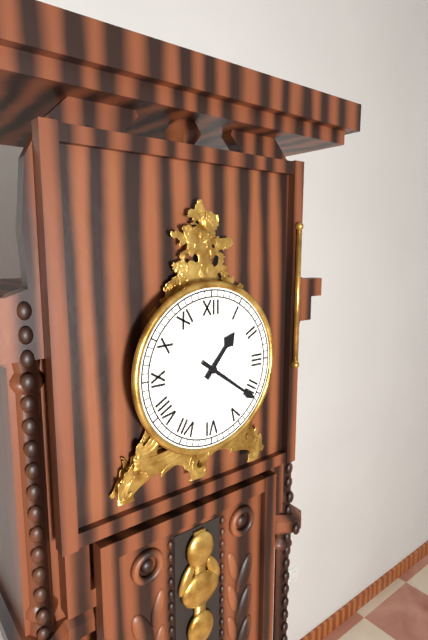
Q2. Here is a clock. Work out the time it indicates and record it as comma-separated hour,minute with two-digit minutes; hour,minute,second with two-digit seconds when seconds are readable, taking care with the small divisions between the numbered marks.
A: 1,21
